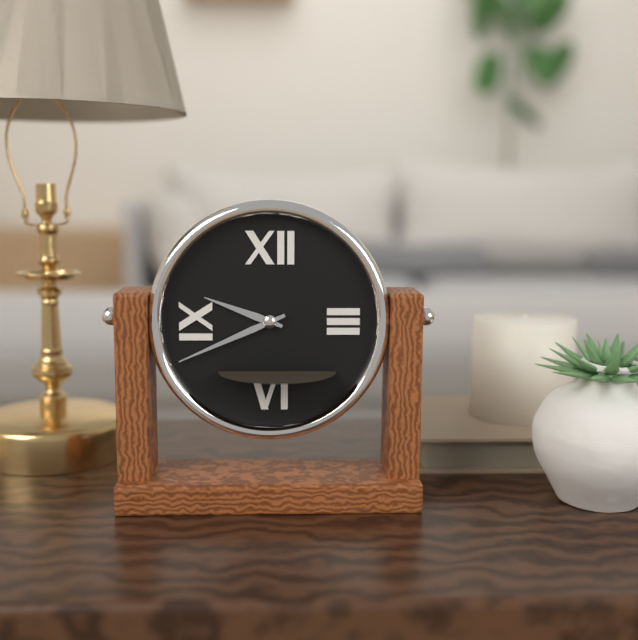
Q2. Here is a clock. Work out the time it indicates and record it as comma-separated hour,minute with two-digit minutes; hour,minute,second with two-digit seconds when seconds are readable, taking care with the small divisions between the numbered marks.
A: 9,41
